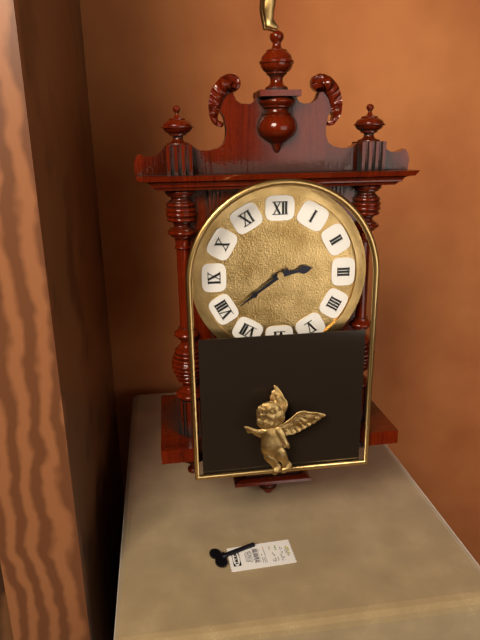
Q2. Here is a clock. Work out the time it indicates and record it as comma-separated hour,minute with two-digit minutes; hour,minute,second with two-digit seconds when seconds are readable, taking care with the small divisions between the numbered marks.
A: 2,39
